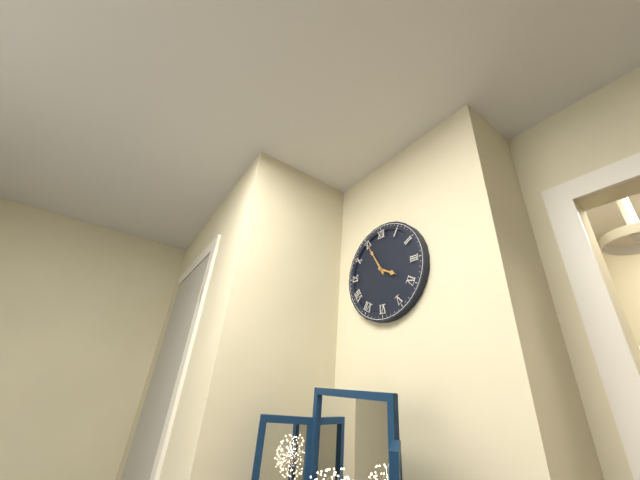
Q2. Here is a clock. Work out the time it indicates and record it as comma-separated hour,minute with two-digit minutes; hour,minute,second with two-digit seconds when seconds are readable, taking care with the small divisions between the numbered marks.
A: 3,55
